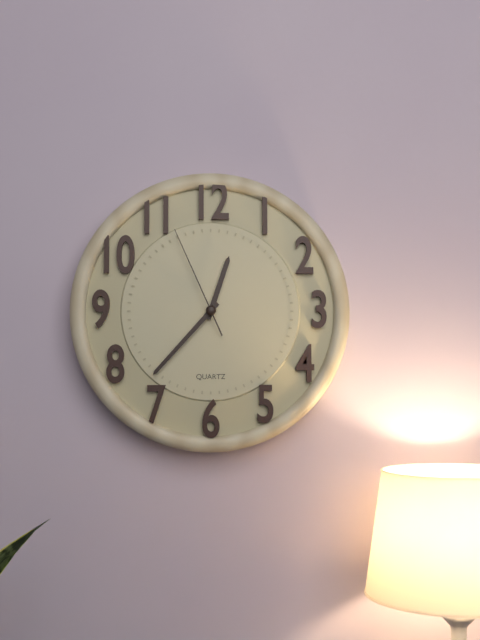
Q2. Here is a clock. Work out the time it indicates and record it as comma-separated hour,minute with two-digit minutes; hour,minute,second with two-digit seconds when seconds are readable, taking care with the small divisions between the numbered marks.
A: 12,37,56
